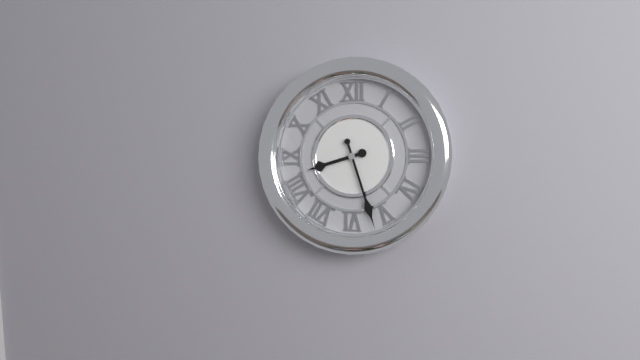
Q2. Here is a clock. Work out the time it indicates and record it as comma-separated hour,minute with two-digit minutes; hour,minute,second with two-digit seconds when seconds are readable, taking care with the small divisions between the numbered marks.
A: 8,27
